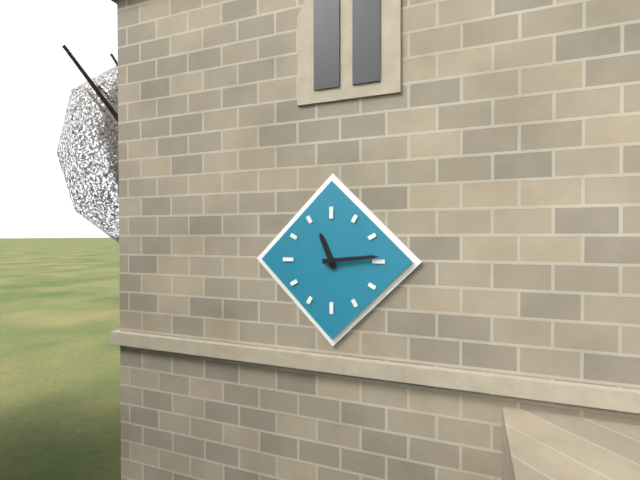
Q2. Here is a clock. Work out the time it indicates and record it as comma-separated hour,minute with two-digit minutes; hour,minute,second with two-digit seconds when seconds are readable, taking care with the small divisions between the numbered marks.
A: 11,14
